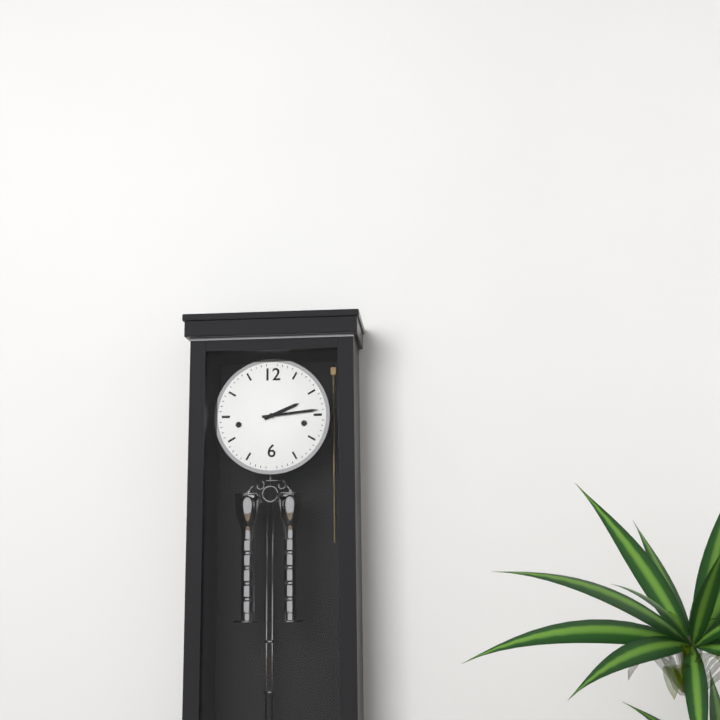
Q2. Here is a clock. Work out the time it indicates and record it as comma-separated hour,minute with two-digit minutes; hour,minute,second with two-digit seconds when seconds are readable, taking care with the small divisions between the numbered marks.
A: 2,14
